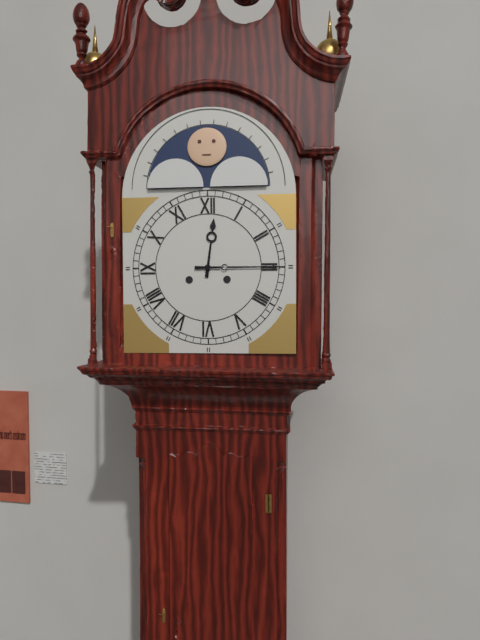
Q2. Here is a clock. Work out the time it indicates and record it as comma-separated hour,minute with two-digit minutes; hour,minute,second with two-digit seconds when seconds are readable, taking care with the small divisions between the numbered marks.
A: 12,15
